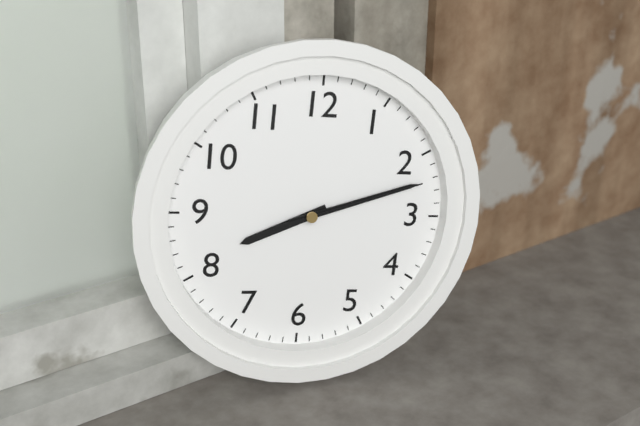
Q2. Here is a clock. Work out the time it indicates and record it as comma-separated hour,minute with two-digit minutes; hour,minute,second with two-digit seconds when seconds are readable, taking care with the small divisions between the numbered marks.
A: 8,12,12
